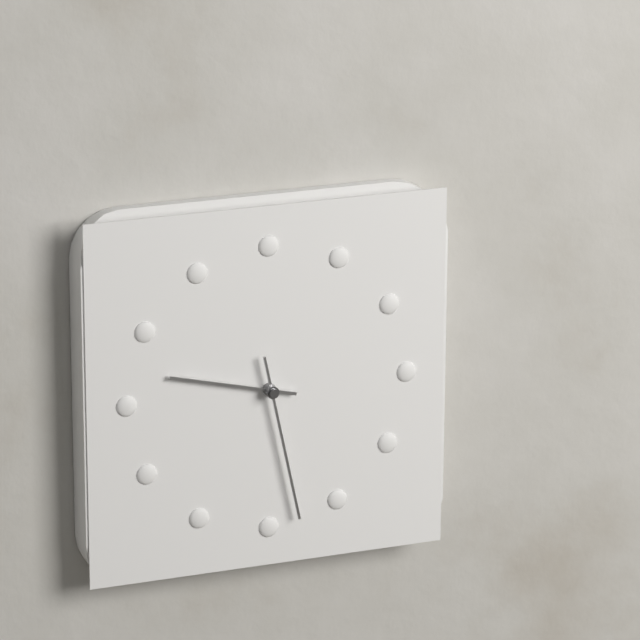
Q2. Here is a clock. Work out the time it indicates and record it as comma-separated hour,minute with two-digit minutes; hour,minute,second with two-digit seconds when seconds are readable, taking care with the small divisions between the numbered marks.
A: 9,28
